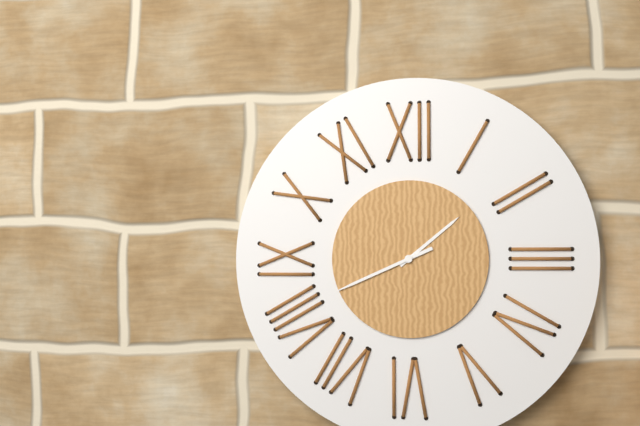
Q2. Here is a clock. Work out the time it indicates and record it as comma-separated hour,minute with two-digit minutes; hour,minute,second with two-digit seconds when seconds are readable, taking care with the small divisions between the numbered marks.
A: 1,41
